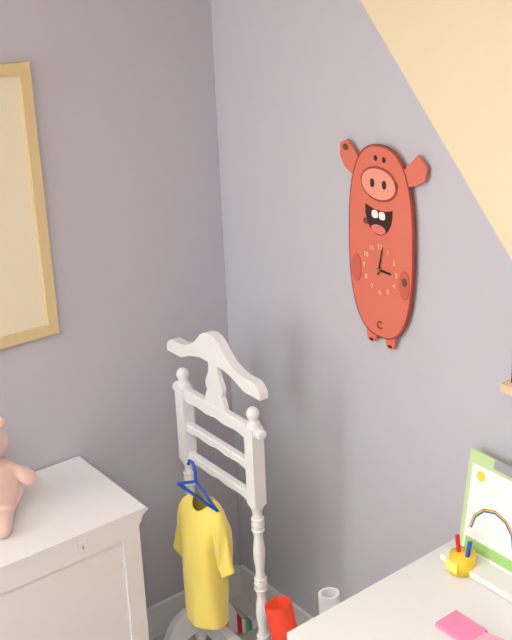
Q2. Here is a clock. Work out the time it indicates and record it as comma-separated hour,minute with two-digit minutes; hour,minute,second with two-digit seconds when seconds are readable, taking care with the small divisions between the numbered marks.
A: 3,02
